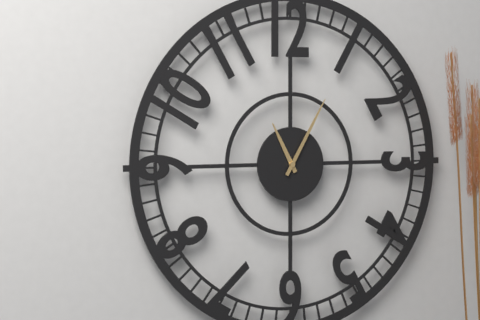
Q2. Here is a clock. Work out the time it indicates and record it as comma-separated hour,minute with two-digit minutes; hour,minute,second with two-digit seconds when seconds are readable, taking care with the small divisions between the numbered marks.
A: 11,05
